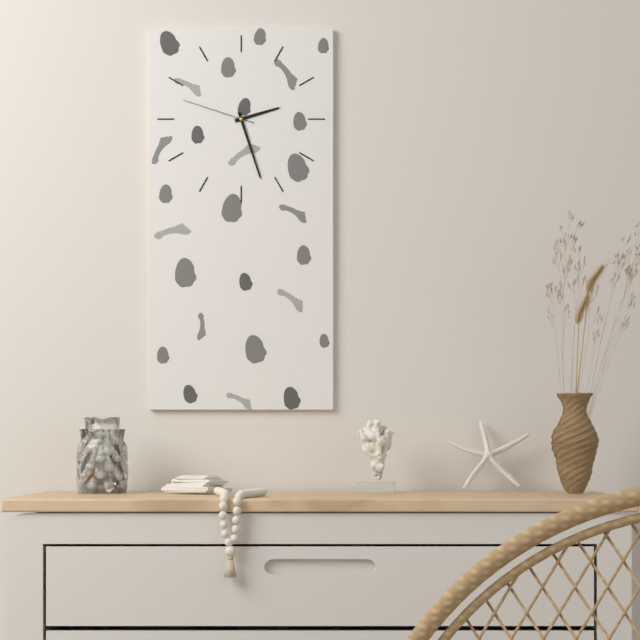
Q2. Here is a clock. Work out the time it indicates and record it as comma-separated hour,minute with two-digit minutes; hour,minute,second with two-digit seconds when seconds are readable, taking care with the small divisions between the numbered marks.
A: 2,27,48
